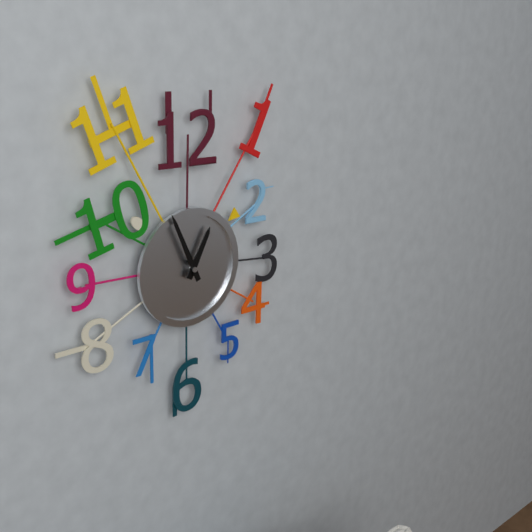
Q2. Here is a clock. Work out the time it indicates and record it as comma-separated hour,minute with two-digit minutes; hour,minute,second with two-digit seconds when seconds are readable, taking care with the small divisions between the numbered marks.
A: 12,56
